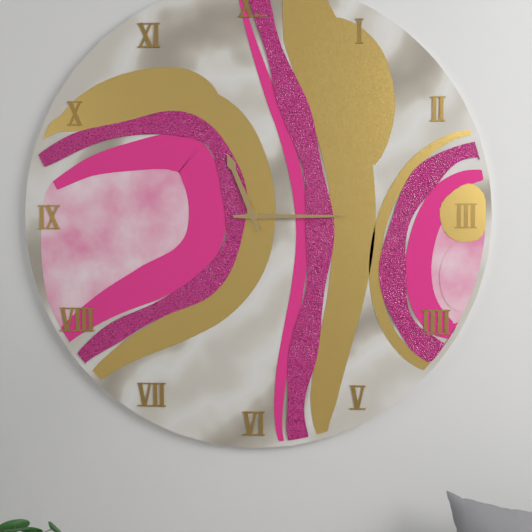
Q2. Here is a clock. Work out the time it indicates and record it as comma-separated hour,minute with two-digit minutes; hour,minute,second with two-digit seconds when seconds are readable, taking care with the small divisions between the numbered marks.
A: 11,15
